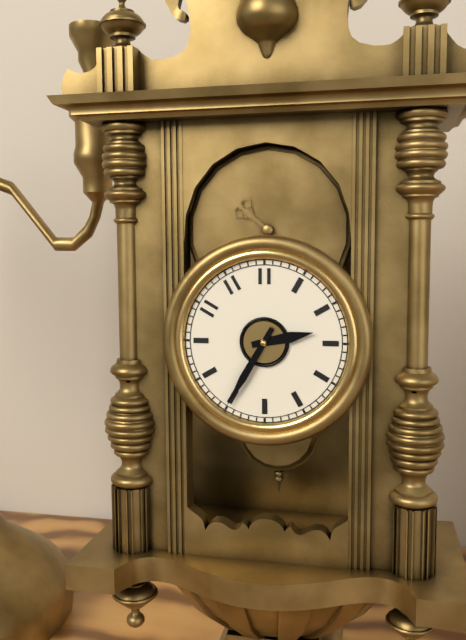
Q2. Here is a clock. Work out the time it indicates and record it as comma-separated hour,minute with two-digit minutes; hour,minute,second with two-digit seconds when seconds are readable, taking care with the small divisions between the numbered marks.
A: 2,35
